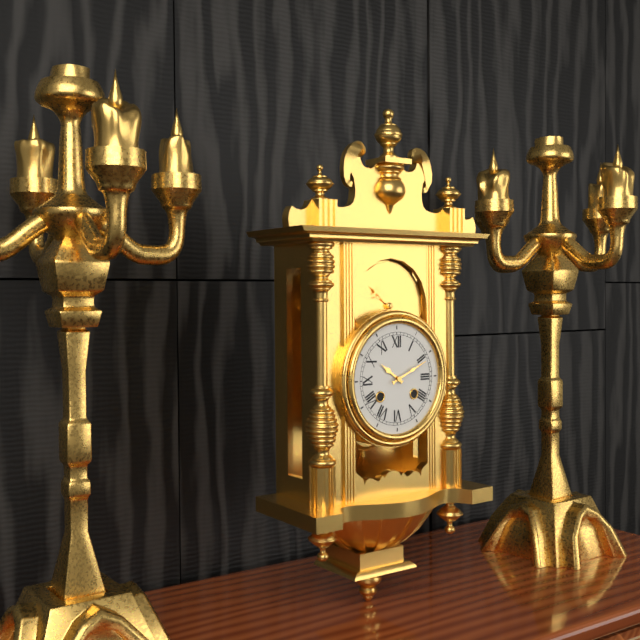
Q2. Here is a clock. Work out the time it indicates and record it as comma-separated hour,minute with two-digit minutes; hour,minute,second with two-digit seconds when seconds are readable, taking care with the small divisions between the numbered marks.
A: 10,11
